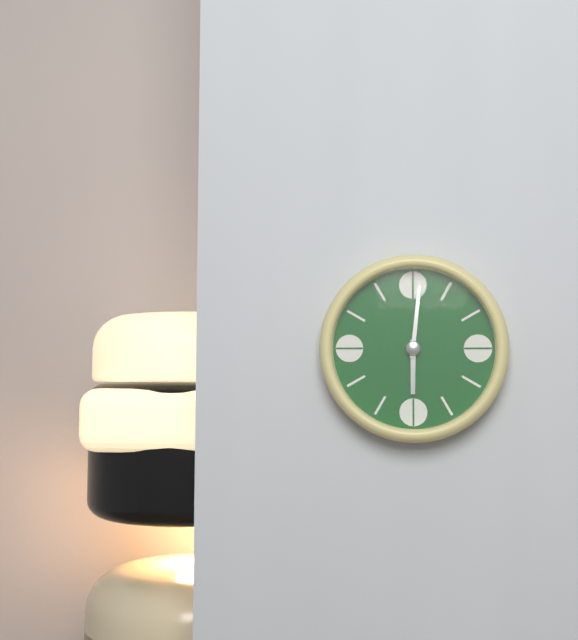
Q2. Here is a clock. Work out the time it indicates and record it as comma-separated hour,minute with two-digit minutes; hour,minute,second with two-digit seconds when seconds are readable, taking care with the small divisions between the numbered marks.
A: 6,01
